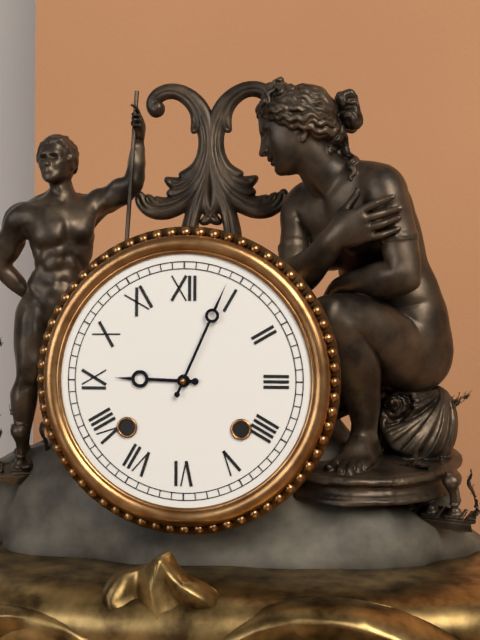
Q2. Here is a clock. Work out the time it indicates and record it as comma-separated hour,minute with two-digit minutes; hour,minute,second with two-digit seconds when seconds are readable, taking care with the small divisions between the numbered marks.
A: 9,04
